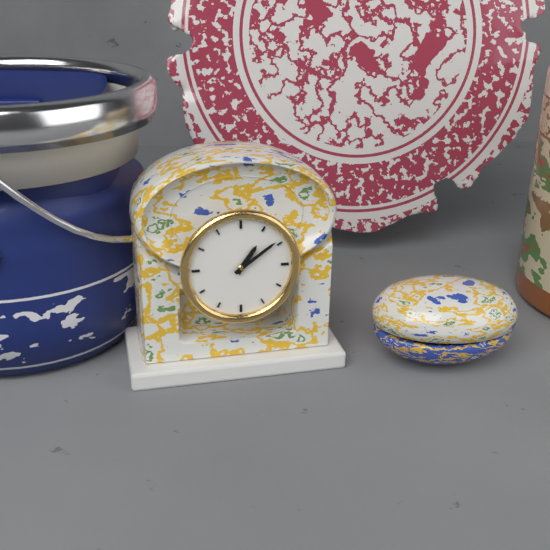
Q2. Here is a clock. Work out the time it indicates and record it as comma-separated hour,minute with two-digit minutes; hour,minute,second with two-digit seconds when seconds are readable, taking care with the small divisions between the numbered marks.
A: 1,09
